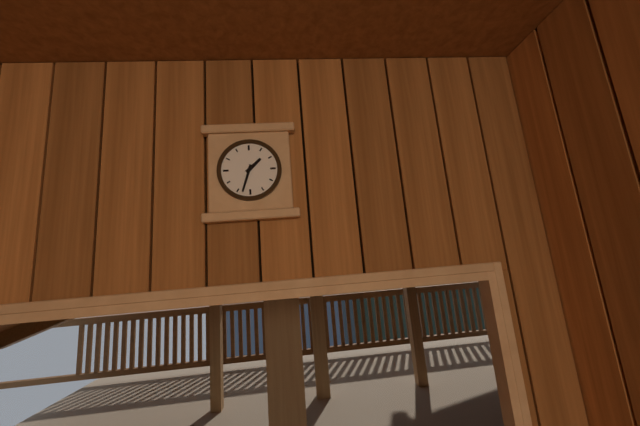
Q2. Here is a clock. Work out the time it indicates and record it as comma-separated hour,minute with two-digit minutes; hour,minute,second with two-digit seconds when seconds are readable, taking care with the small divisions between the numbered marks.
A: 1,33
